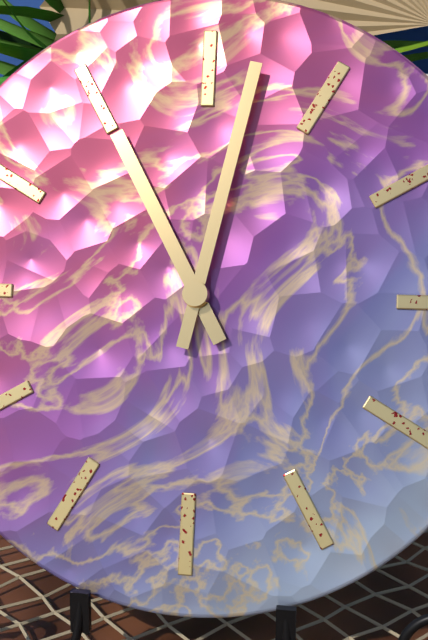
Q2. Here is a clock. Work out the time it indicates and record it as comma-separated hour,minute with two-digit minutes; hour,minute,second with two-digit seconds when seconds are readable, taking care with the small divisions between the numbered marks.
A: 11,02
